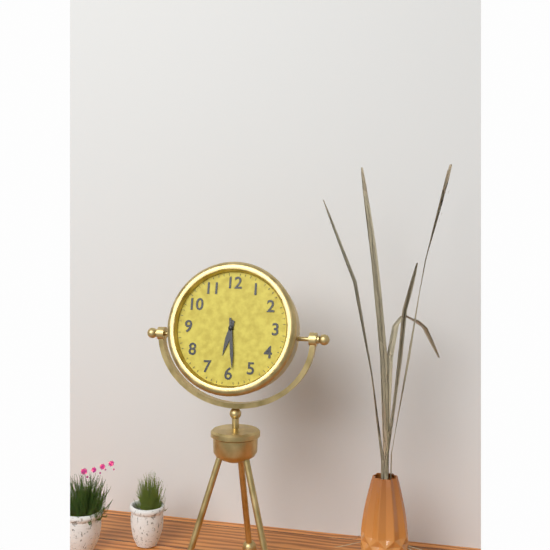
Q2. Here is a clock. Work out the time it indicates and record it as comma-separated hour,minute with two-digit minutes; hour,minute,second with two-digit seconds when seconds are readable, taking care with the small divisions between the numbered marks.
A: 6,29
